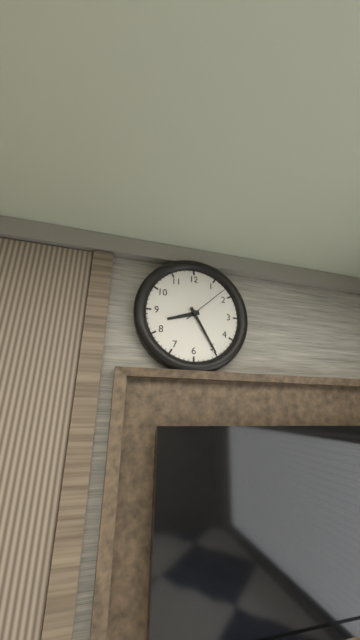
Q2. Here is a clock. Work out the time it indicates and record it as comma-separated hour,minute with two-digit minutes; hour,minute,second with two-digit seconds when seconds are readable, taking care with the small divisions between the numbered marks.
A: 8,25
